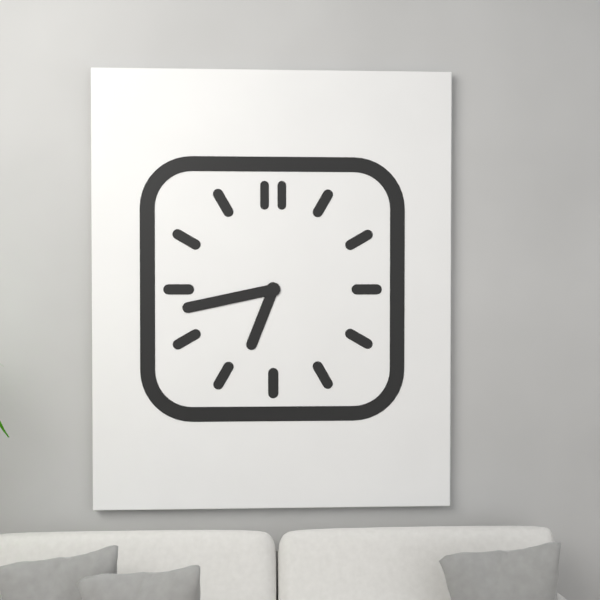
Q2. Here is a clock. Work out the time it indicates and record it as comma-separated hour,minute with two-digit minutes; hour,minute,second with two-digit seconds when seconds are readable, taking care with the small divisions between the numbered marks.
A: 6,43
